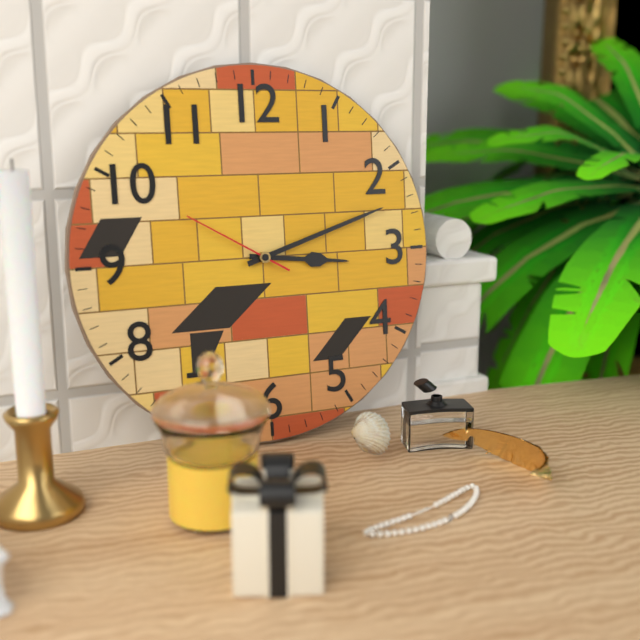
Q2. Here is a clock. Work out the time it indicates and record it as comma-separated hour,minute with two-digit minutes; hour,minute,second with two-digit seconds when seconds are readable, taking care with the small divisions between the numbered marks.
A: 3,12,50
